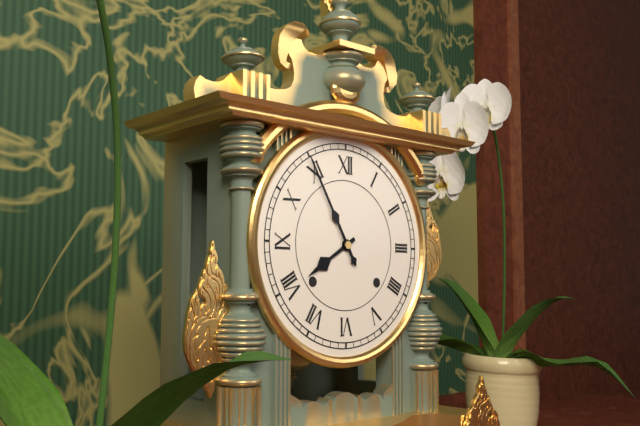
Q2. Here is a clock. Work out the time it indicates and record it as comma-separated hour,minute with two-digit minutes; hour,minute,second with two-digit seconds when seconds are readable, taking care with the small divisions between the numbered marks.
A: 7,55
